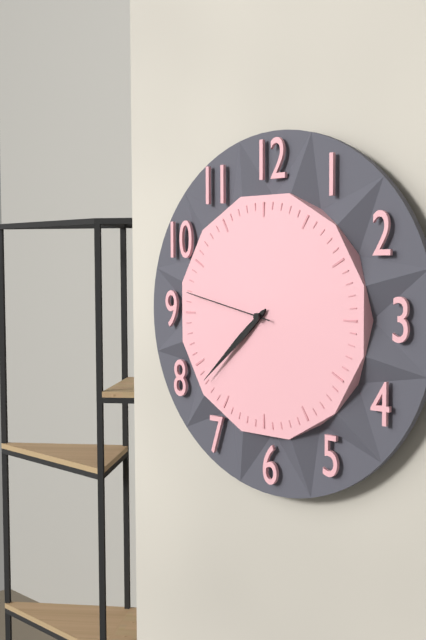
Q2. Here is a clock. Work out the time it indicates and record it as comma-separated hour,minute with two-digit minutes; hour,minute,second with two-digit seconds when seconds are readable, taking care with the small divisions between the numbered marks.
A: 7,38,47
